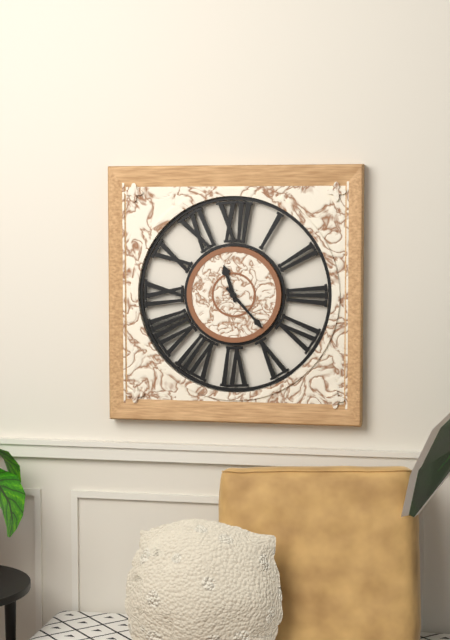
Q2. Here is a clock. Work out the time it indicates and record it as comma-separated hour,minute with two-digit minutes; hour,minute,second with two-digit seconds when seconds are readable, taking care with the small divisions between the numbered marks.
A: 11,23
